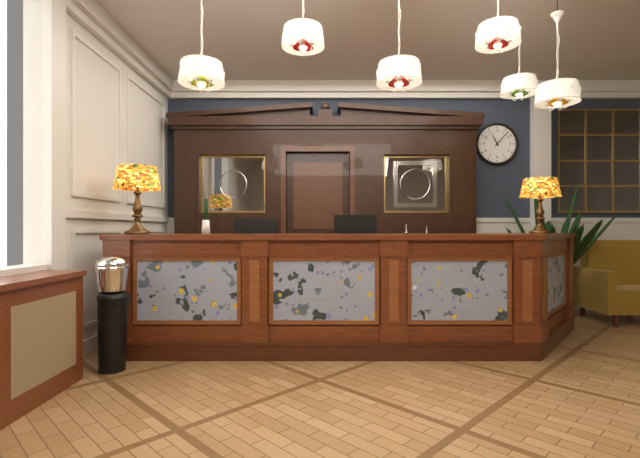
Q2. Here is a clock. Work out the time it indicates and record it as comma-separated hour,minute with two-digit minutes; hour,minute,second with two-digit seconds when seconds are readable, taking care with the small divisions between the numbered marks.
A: 11,07
